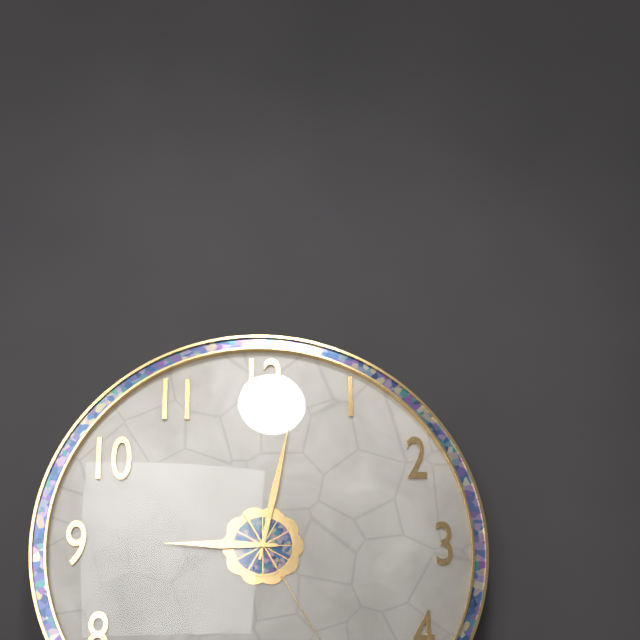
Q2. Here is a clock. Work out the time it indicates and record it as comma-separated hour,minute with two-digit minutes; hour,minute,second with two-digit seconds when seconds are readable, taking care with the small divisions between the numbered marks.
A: 9,02
